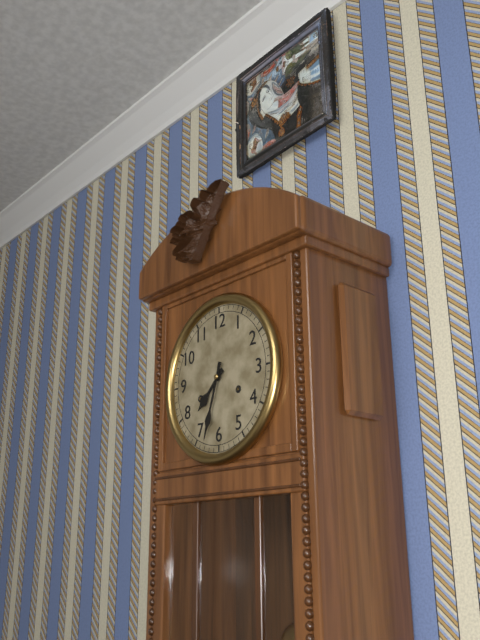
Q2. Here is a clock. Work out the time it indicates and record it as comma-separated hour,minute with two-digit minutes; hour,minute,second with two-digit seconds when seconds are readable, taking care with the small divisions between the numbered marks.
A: 7,33
